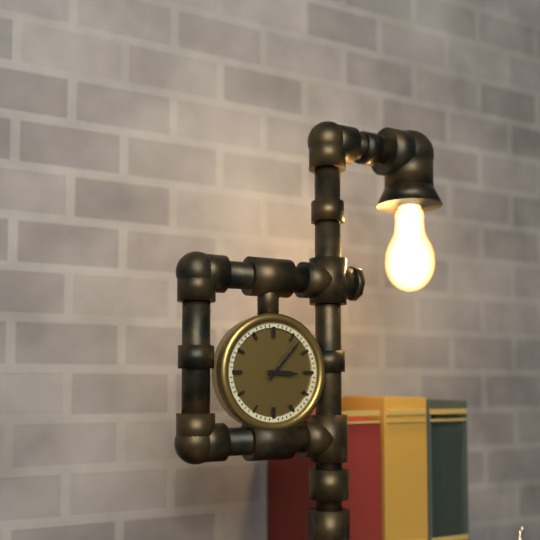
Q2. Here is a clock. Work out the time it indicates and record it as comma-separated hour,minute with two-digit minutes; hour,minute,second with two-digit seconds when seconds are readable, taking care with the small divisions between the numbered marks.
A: 3,07
